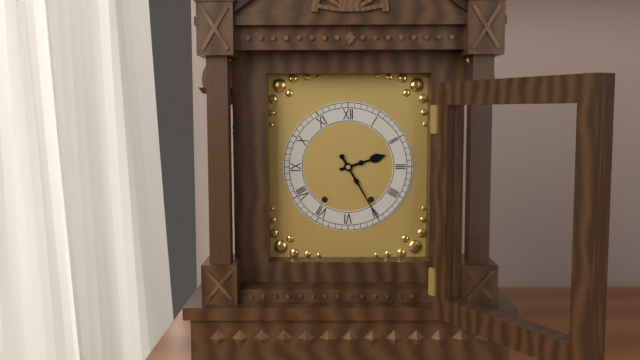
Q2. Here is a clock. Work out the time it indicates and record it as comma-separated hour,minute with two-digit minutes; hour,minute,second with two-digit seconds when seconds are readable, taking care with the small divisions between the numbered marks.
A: 2,25
